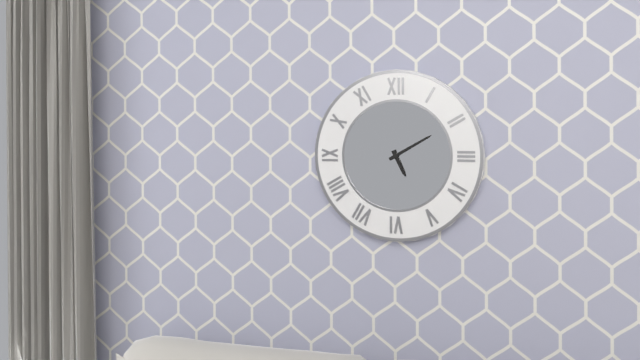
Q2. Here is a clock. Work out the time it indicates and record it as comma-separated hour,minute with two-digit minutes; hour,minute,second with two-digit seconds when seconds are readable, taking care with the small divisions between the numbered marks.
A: 5,10
